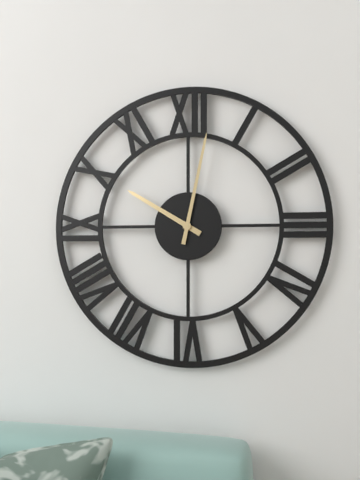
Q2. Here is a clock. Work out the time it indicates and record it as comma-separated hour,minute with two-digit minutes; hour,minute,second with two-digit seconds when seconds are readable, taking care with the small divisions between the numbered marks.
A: 10,02
